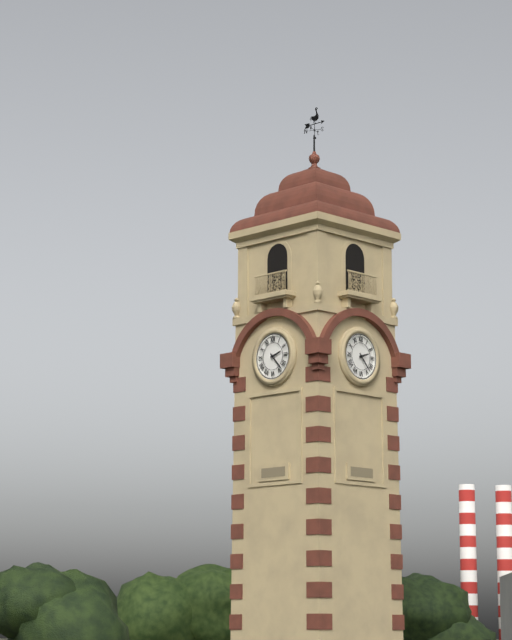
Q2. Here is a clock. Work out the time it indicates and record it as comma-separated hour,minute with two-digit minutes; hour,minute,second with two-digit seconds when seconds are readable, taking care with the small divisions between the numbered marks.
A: 2,23
